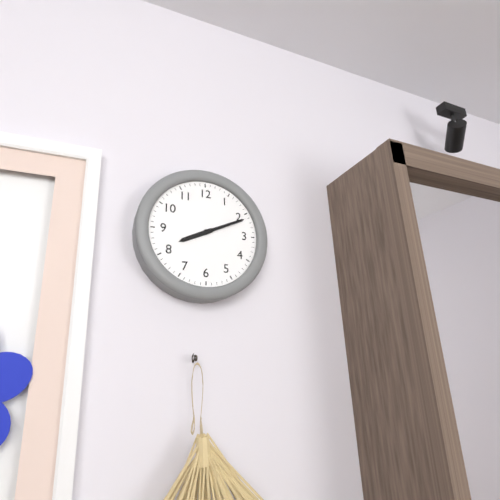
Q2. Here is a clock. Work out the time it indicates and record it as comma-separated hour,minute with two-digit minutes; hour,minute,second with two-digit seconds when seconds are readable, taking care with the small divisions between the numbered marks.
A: 8,11
